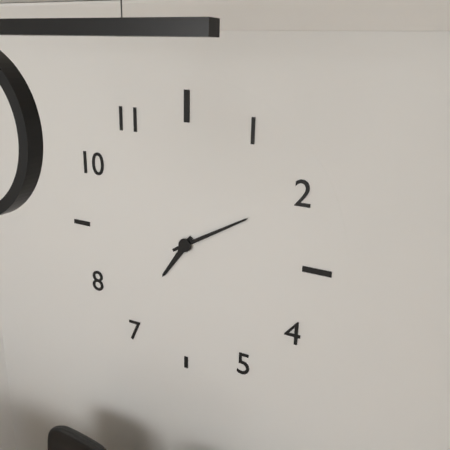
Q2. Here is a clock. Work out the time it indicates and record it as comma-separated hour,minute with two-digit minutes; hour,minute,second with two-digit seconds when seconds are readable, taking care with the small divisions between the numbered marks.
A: 7,10
